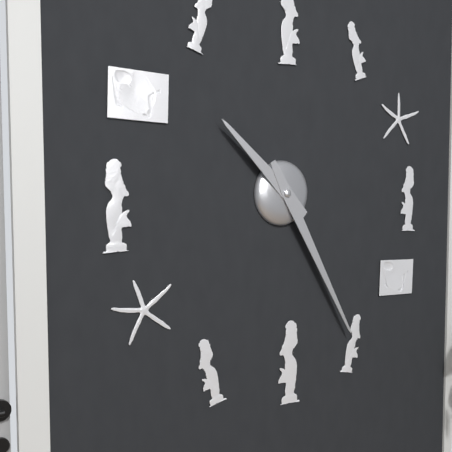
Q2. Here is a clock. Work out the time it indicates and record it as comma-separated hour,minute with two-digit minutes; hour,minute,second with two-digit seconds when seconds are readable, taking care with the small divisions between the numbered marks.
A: 10,25
